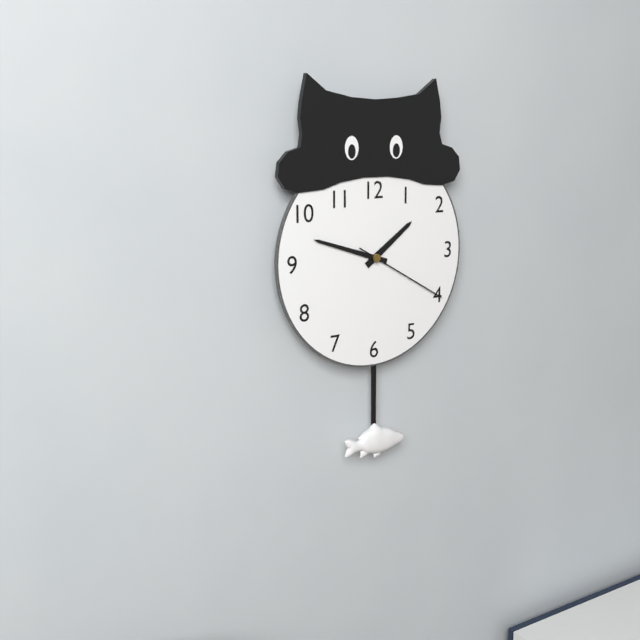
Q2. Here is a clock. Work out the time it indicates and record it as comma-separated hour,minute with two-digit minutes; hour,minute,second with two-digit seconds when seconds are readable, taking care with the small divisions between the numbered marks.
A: 1,48,20
